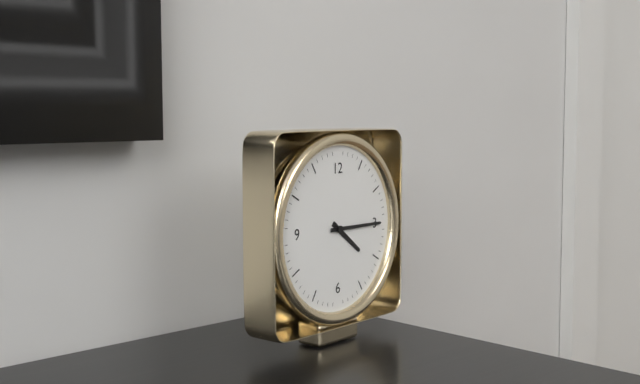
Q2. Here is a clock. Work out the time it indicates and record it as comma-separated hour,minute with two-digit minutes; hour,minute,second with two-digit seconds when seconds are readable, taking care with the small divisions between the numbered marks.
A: 4,15
